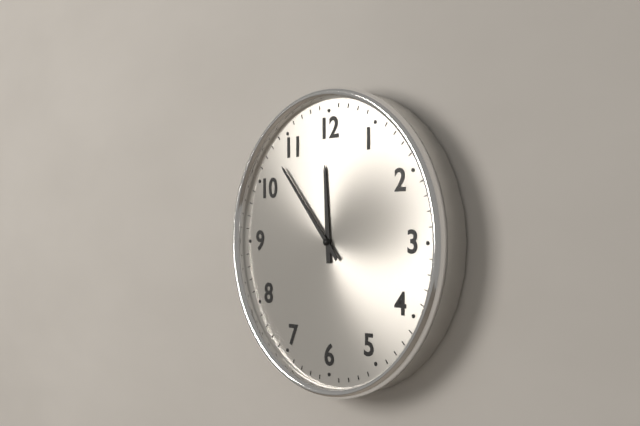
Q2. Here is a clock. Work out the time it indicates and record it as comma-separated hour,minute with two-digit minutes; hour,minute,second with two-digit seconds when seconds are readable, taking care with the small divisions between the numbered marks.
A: 11,53
